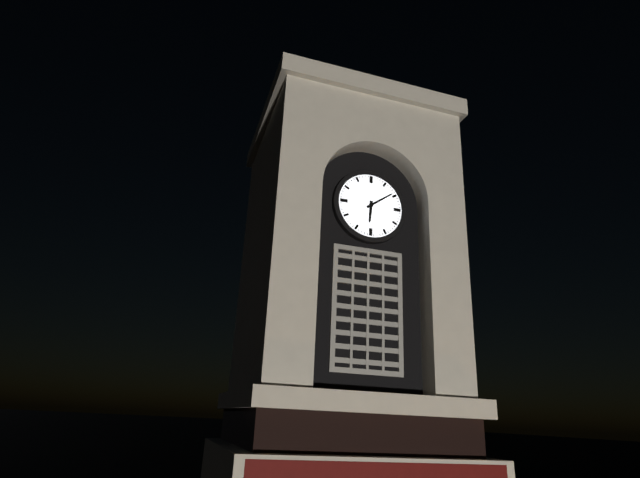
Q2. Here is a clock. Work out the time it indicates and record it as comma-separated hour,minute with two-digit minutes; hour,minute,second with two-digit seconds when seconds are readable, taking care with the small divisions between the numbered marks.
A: 6,09
